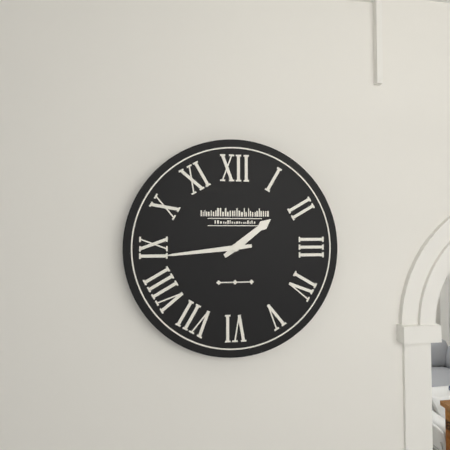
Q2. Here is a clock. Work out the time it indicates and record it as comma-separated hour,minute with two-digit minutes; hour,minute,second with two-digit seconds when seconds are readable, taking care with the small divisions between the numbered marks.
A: 1,44
